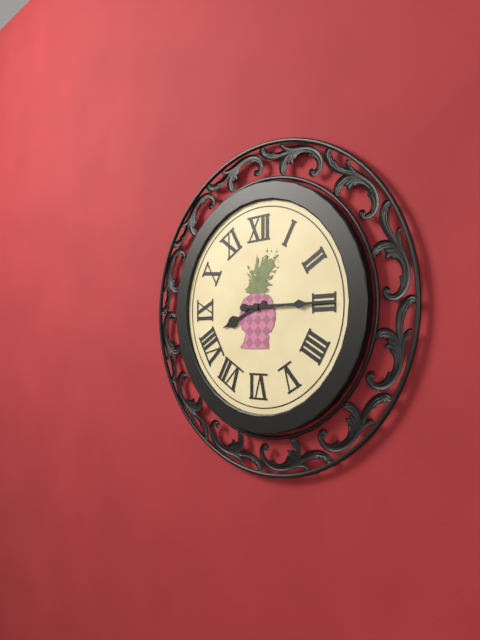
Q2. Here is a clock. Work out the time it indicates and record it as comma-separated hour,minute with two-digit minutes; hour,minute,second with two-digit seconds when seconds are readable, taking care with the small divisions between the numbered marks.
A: 8,15
